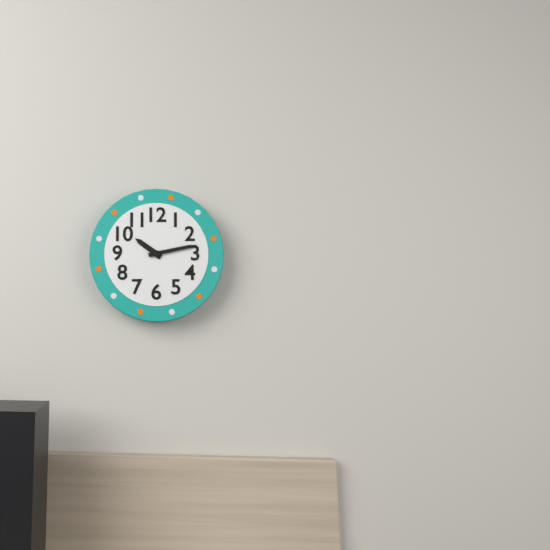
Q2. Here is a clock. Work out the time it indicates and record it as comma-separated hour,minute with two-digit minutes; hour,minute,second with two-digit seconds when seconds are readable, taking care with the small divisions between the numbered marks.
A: 10,13
